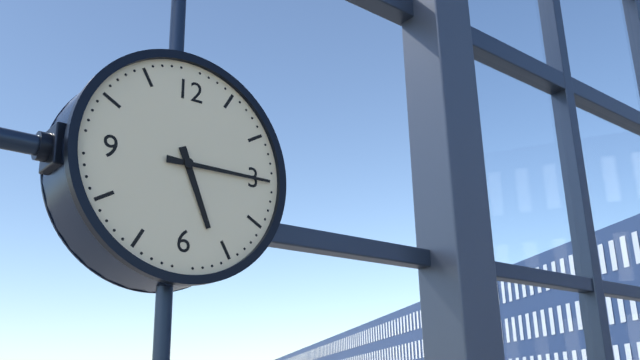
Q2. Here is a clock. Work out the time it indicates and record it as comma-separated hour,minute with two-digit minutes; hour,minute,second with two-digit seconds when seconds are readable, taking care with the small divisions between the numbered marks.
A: 5,15
